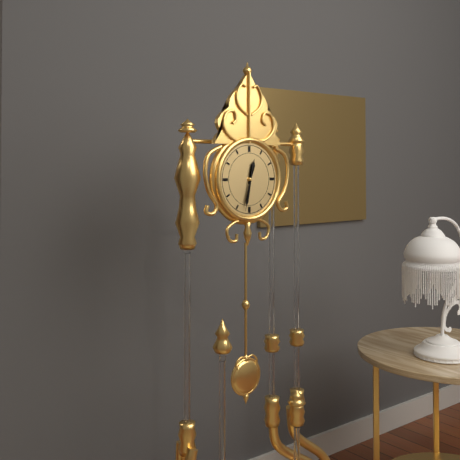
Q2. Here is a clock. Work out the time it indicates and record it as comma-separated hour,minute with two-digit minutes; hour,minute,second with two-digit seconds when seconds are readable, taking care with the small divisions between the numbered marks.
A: 12,32
